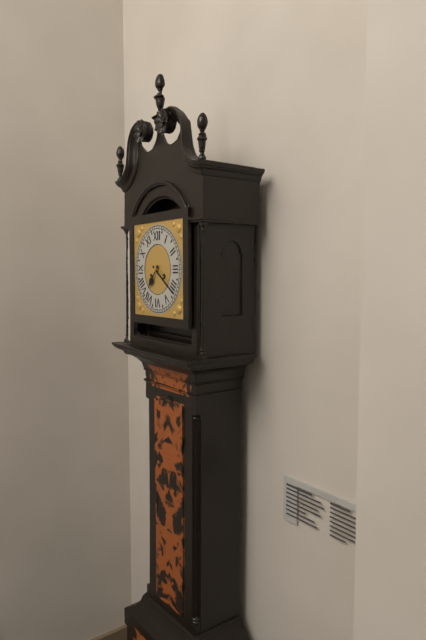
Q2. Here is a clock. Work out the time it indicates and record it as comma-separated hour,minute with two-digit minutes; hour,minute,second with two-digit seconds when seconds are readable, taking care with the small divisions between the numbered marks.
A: 7,21
